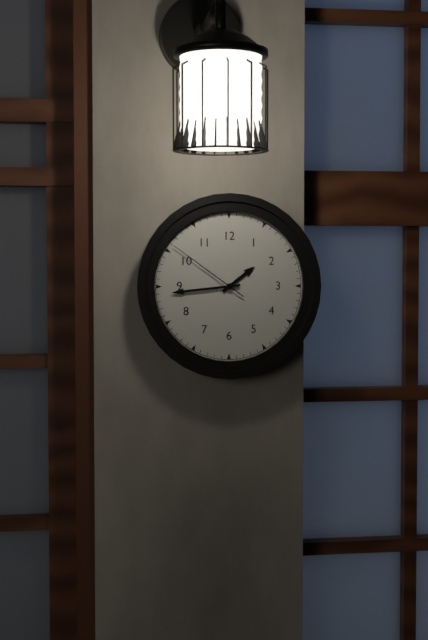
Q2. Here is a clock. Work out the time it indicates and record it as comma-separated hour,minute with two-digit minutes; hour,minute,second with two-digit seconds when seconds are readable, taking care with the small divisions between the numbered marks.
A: 1,44,51
